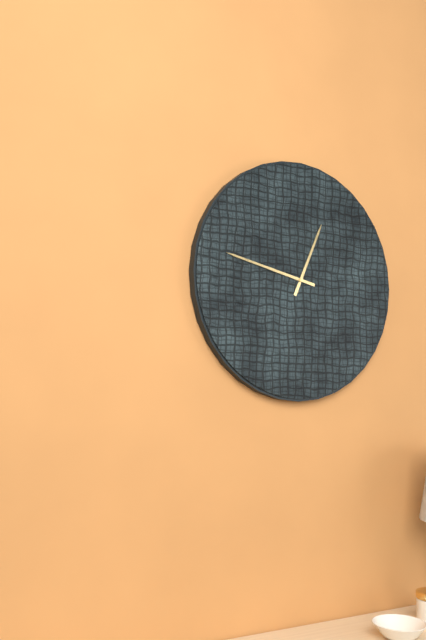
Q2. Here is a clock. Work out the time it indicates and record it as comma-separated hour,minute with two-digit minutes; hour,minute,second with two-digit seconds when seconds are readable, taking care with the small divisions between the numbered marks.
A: 12,47
